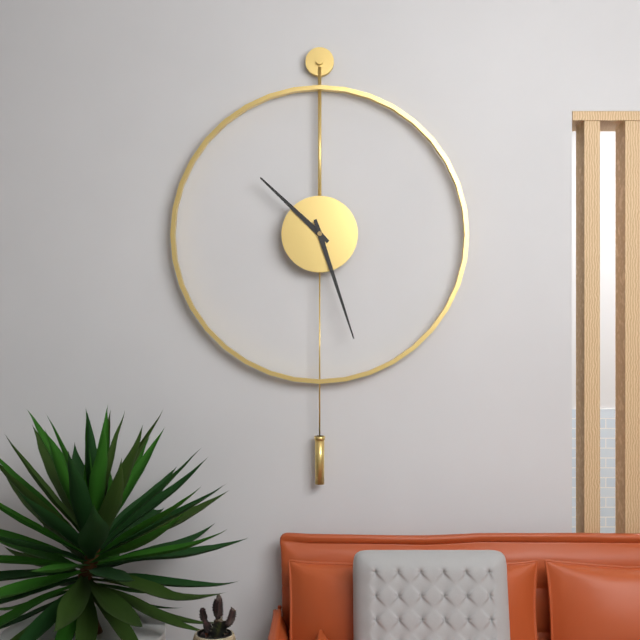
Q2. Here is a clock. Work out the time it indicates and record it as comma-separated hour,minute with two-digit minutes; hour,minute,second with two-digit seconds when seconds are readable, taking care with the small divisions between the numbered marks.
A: 10,27
